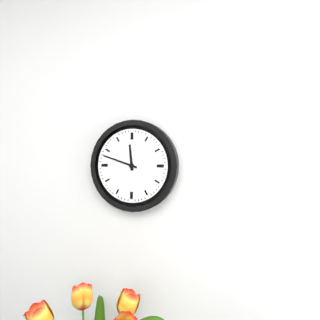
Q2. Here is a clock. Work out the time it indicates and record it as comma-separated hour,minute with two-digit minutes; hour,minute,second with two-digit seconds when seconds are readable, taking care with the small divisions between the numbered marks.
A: 11,48
